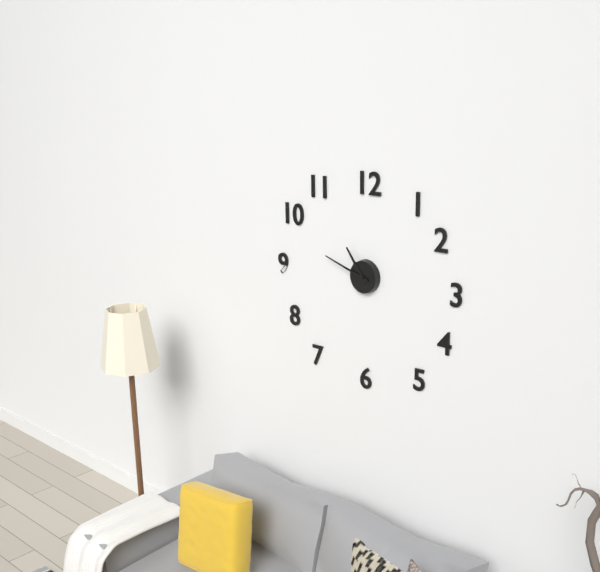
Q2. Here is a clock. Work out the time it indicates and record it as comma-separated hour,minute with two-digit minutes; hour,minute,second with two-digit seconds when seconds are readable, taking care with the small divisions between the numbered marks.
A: 10,48
